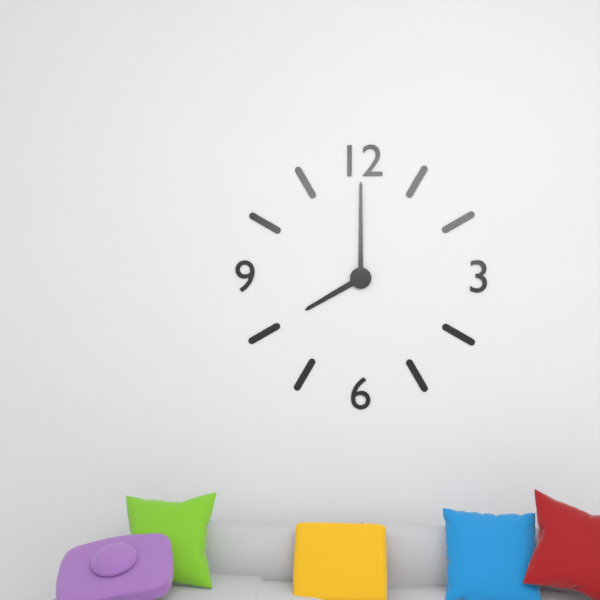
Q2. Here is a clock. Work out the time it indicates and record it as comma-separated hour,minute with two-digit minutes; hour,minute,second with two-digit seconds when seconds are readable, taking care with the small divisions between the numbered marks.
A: 8,00
